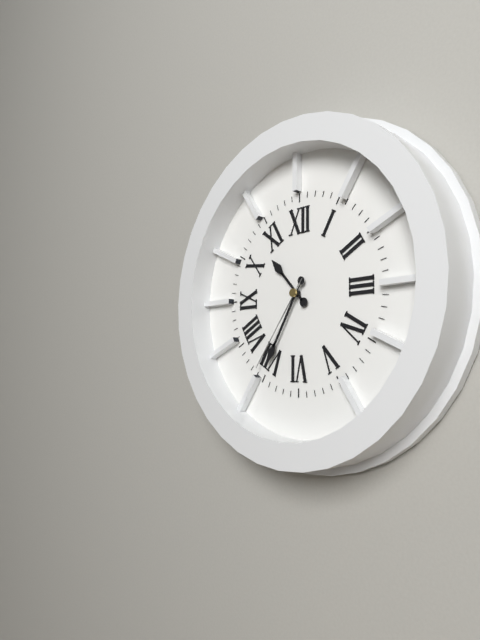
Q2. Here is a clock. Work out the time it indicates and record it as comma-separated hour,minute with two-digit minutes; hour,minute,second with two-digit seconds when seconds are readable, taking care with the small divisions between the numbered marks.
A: 10,35,36
